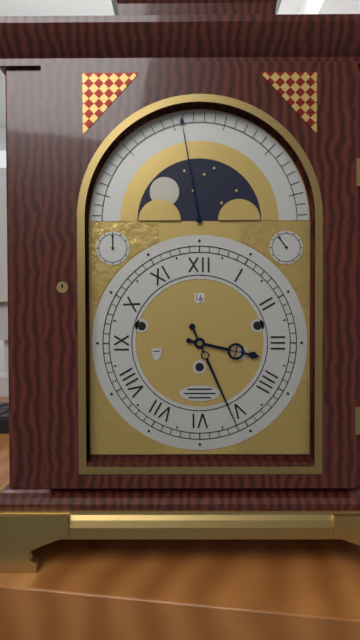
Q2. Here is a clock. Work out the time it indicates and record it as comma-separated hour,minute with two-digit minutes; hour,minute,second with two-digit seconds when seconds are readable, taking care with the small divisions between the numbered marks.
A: 3,26
